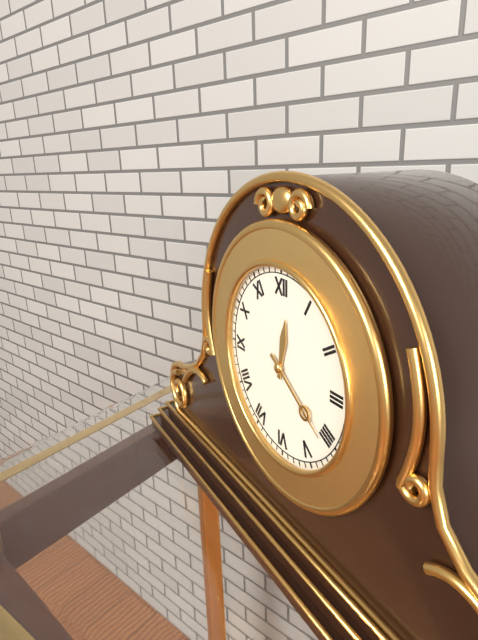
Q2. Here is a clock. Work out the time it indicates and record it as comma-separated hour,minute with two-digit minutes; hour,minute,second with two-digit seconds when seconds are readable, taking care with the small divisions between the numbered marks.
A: 12,21
